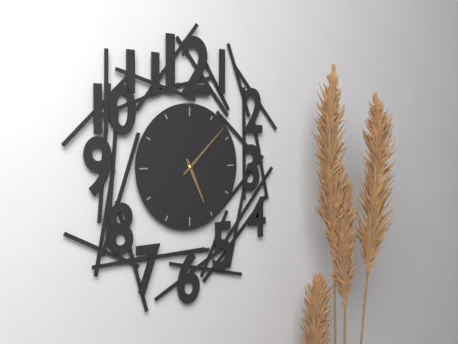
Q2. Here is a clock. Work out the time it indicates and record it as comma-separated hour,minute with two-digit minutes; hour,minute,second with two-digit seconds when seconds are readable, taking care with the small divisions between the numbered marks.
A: 5,08
